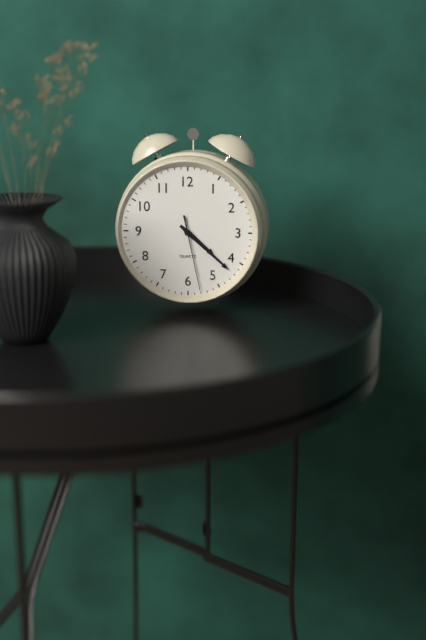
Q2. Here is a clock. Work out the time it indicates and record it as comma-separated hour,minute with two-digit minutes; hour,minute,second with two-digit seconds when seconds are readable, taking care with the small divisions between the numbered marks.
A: 4,22,28
